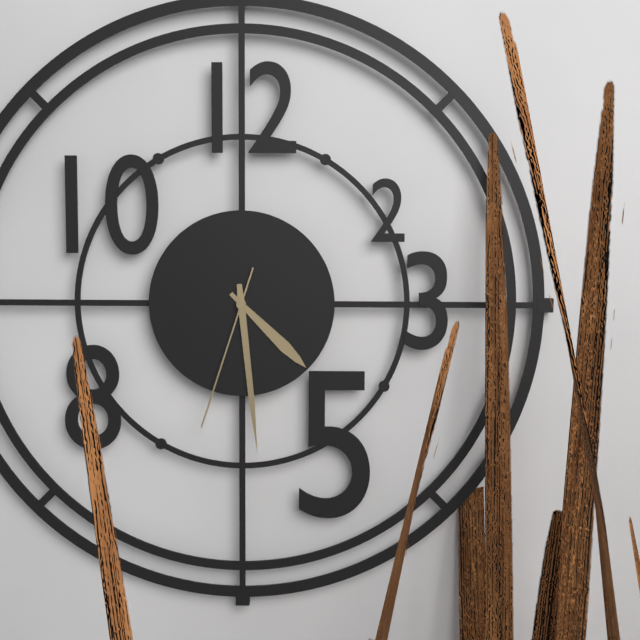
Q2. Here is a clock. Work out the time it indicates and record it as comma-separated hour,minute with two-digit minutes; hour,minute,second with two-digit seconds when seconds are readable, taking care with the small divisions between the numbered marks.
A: 4,29,33
